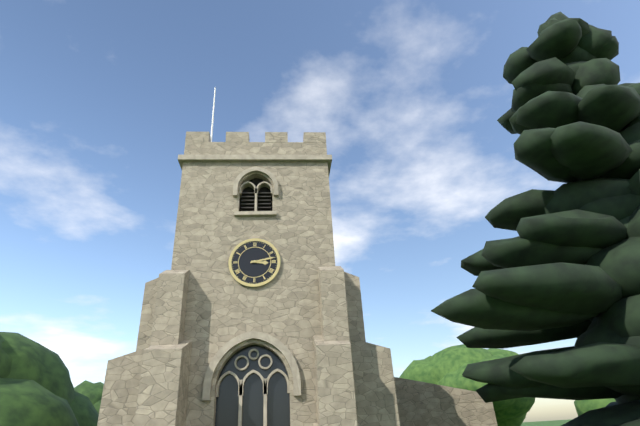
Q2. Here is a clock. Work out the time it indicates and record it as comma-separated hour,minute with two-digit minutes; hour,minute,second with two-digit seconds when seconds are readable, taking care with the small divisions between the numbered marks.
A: 3,13
